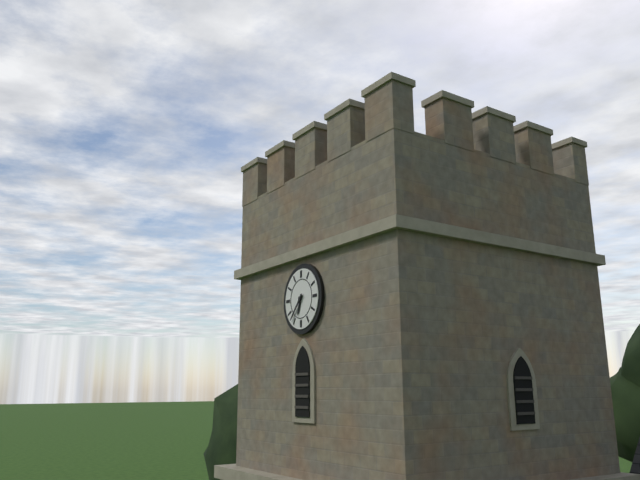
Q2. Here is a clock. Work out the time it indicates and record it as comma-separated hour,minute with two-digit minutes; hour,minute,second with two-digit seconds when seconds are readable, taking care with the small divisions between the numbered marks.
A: 6,37
